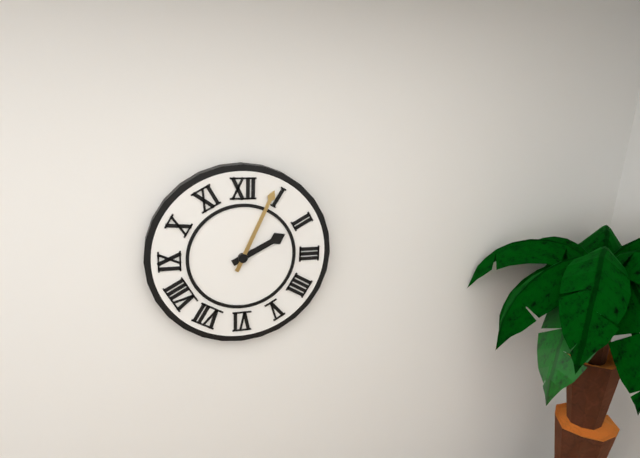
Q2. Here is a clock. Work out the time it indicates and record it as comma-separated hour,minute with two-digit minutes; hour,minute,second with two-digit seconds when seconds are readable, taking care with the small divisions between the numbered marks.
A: 2,04
